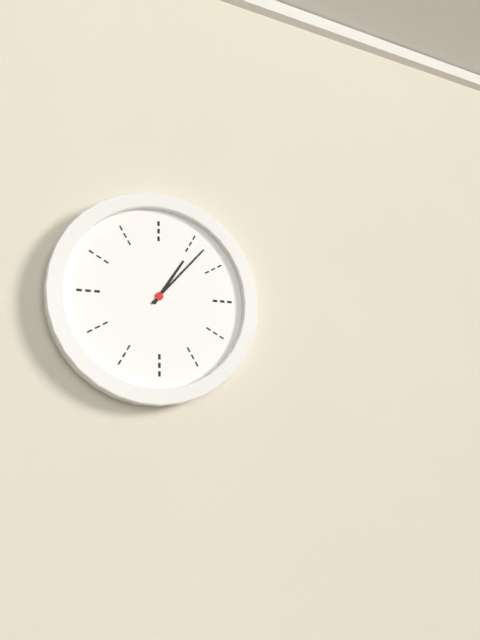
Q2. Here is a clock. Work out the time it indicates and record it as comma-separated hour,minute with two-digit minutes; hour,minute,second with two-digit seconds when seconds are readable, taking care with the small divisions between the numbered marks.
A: 1,07
